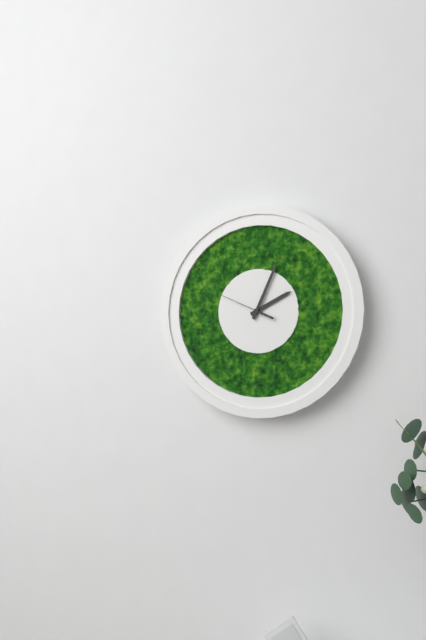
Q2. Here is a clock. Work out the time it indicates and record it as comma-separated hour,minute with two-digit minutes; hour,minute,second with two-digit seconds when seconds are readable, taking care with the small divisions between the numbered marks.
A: 2,04
